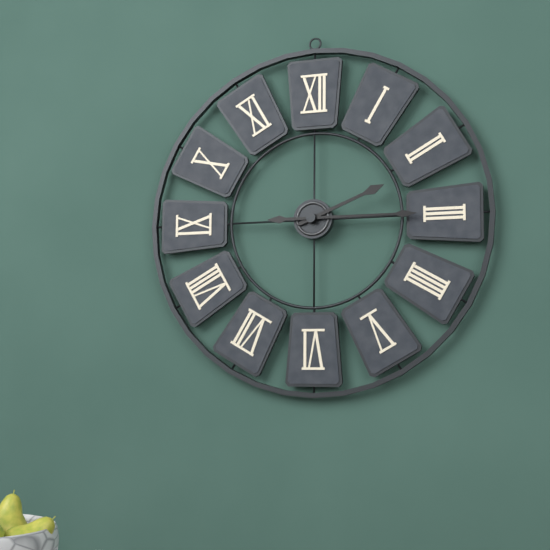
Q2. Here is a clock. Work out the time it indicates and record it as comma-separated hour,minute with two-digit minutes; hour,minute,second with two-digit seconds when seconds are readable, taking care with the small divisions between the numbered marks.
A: 2,15
